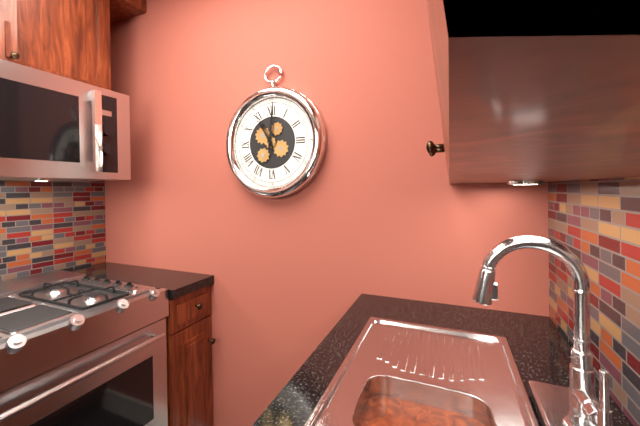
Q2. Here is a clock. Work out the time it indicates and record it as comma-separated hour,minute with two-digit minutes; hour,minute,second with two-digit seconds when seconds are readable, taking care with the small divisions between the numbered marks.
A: 11,01
